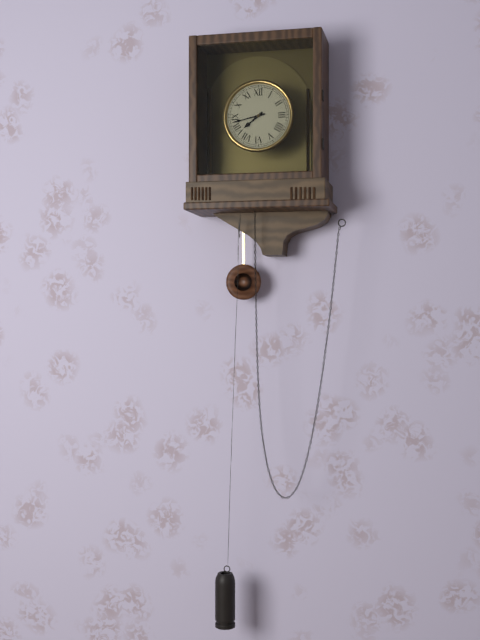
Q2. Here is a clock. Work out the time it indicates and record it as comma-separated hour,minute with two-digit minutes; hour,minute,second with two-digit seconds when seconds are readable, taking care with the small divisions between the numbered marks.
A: 7,43
